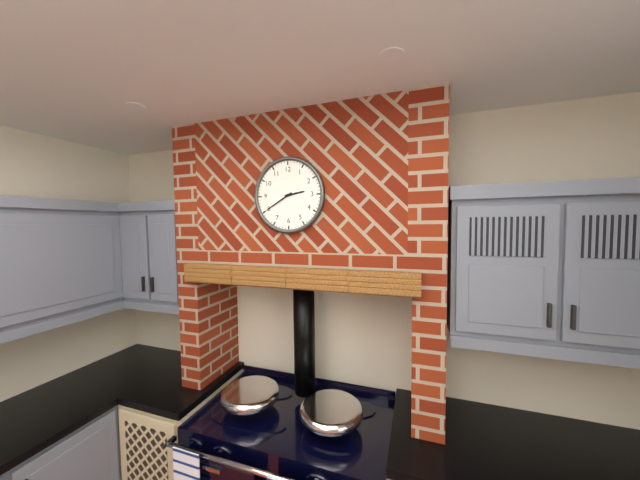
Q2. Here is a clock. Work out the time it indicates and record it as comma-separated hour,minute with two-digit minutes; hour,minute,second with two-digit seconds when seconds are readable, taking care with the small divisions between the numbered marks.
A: 2,40
